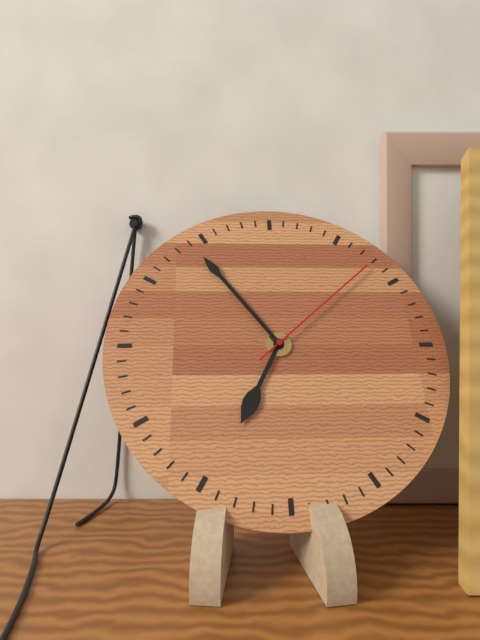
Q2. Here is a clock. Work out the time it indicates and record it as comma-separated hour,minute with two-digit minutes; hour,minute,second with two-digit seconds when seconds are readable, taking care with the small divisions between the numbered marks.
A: 6,54,08
